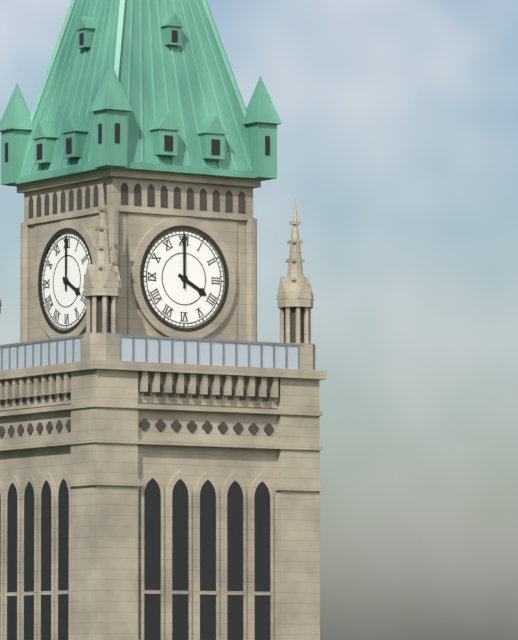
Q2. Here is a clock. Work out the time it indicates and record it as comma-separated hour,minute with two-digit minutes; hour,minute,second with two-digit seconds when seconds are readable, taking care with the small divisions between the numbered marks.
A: 4,00
